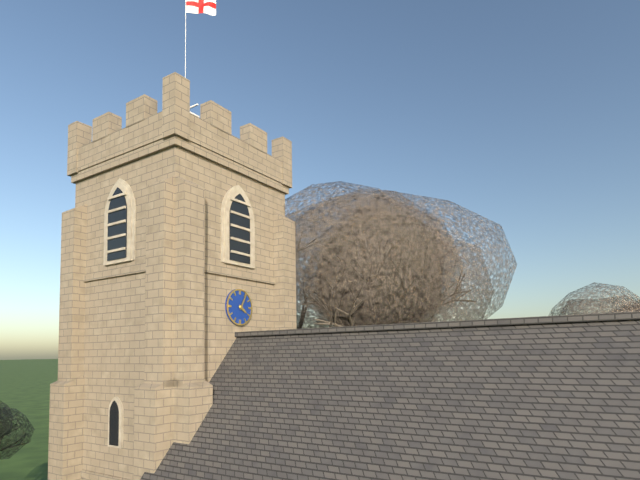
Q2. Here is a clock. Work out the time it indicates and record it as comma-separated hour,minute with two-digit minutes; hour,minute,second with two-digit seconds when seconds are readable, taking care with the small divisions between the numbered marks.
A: 4,05
